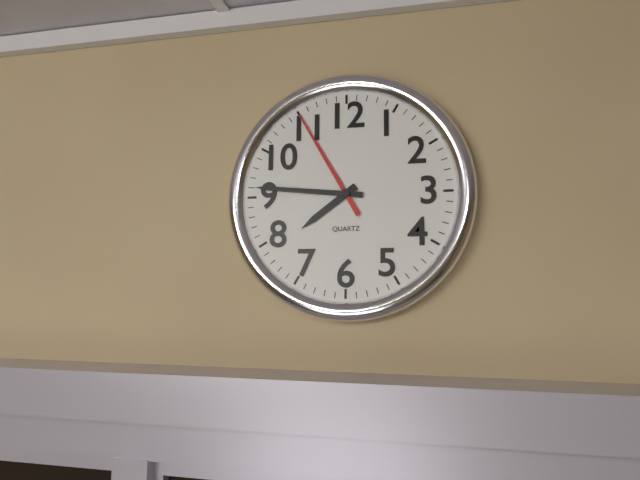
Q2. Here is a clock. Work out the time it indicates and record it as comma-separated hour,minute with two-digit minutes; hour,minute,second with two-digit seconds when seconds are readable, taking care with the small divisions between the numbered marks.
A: 7,46,55
